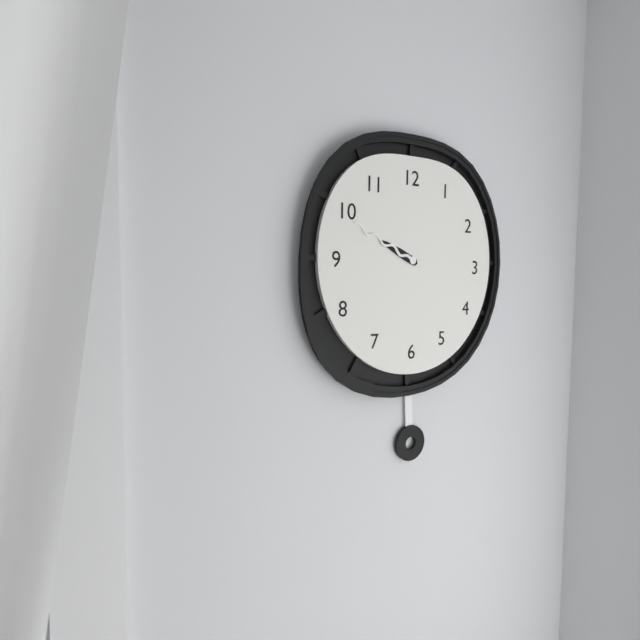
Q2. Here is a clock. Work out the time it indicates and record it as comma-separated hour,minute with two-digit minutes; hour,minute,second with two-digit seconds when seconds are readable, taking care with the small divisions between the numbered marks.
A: 9,49
